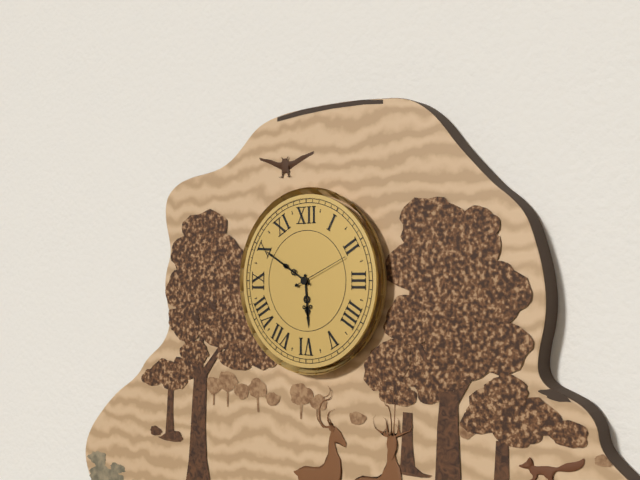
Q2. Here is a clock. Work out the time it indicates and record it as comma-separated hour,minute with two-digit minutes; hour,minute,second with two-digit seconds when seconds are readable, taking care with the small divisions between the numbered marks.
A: 5,50,11
